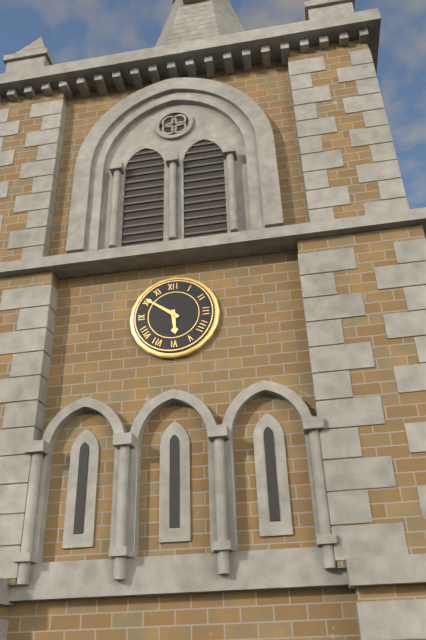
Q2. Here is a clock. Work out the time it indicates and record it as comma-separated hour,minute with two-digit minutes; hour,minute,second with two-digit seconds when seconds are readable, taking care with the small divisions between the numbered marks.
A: 5,51
